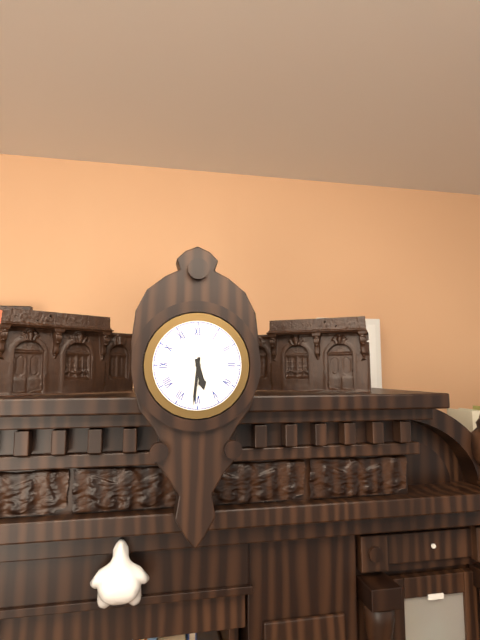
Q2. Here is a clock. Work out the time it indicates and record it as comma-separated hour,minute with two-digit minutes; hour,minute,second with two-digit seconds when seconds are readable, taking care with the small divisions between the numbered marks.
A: 5,31
